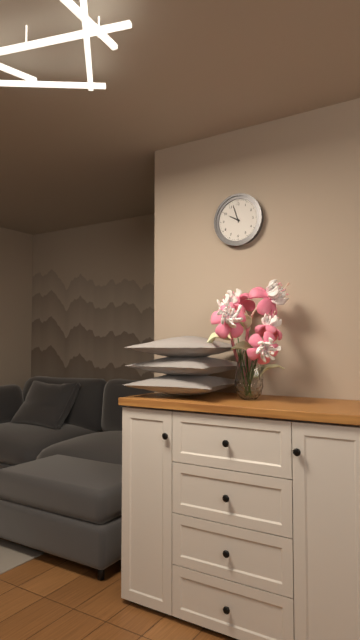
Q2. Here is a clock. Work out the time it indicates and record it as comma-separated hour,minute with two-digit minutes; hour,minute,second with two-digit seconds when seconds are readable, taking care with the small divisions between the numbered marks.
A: 9,57
